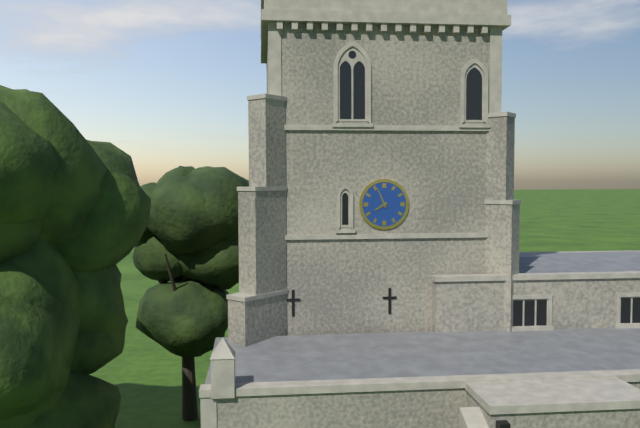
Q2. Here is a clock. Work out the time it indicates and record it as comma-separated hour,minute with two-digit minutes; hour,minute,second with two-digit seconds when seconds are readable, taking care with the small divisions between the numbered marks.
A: 7,56
